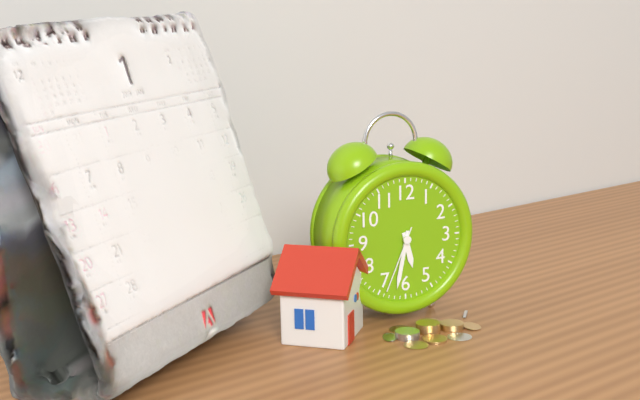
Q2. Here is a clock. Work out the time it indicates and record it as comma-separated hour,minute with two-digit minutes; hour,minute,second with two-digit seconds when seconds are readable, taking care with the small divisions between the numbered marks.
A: 5,32,34
